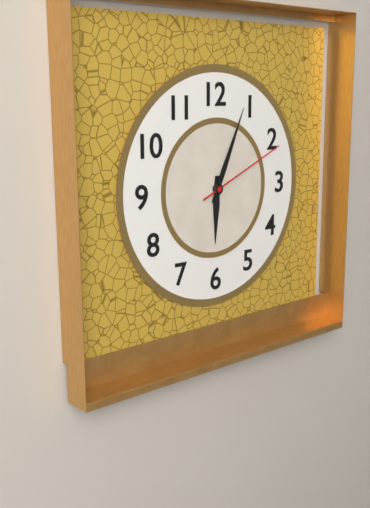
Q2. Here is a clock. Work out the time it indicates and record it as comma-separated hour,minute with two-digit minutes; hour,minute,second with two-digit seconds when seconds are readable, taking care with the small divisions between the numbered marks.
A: 6,04,11
